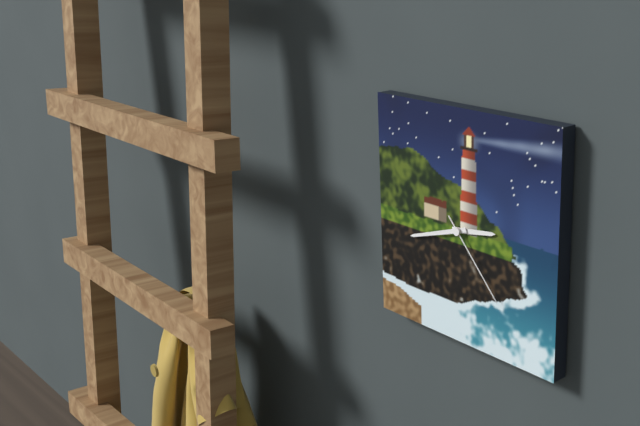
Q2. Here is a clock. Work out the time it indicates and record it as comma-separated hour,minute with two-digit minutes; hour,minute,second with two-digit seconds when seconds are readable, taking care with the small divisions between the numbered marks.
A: 2,42,23
